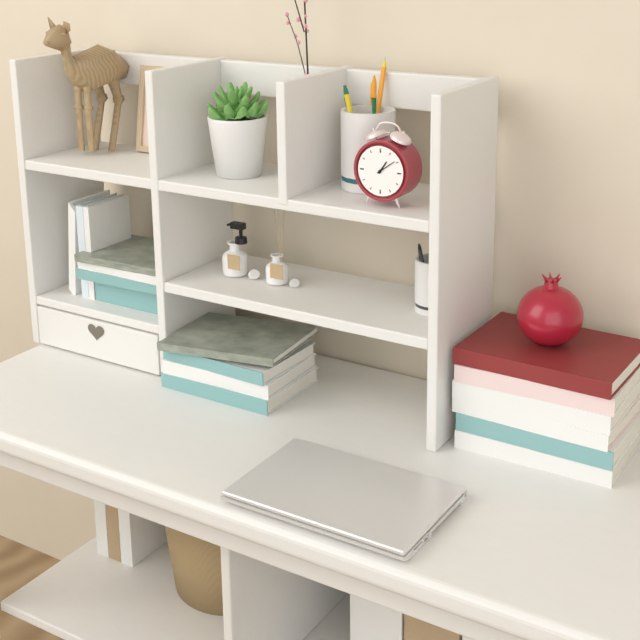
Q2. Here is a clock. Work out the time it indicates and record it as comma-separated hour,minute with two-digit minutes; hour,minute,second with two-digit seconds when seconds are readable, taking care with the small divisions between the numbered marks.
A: 1,09
